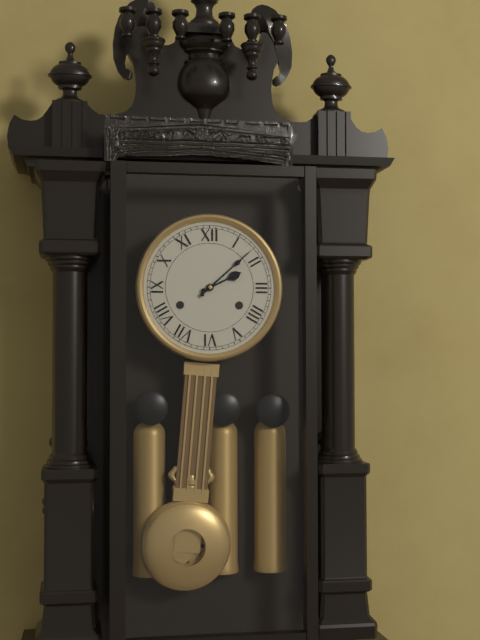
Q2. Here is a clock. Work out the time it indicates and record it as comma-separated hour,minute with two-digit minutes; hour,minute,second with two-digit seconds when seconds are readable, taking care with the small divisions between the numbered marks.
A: 2,08
